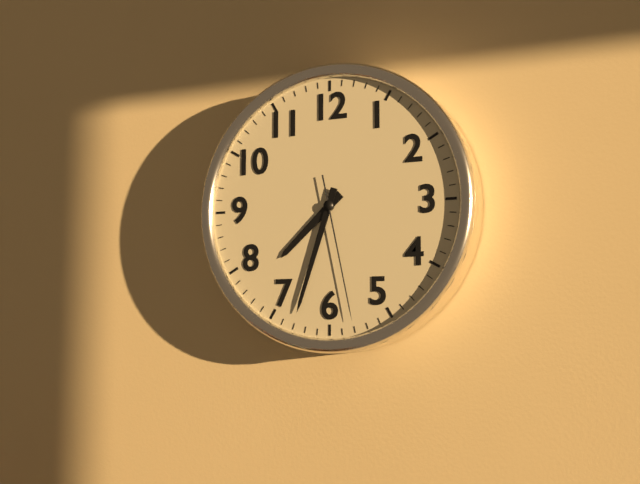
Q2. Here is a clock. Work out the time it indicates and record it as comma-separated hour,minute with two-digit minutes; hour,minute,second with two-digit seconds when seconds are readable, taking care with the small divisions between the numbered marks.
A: 7,33,28
